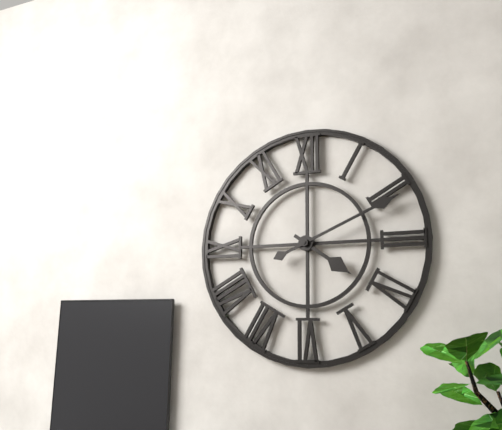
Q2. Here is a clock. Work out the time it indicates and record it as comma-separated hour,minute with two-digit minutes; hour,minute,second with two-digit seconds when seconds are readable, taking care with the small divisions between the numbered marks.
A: 4,11
